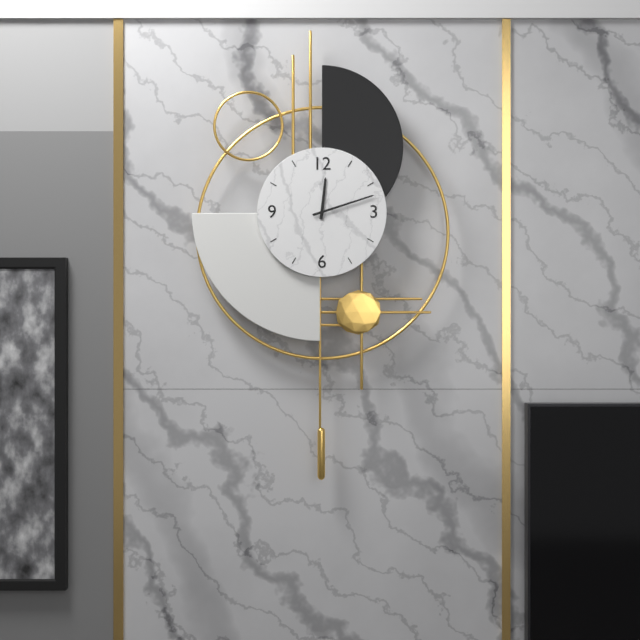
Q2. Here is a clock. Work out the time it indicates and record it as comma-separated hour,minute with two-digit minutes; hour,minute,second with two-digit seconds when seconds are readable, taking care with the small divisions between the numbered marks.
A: 12,12
